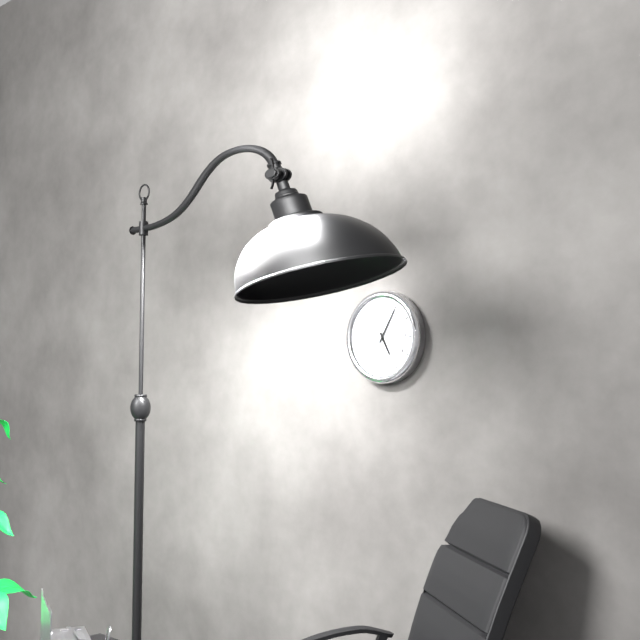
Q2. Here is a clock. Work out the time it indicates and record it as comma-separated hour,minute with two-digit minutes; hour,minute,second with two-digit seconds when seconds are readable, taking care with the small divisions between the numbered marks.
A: 5,05
